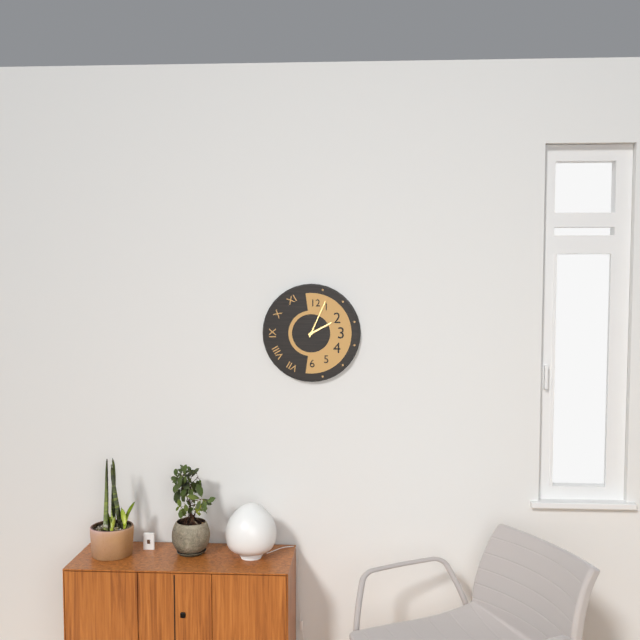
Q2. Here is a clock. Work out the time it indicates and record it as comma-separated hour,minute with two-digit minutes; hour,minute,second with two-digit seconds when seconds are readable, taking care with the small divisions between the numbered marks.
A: 2,04
